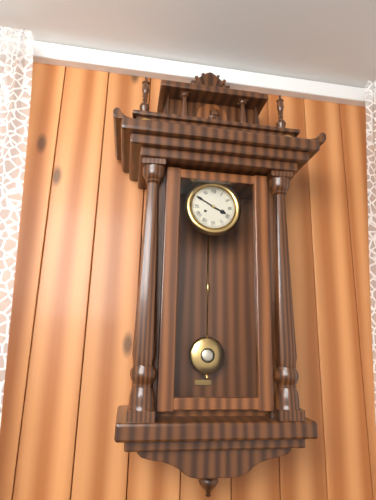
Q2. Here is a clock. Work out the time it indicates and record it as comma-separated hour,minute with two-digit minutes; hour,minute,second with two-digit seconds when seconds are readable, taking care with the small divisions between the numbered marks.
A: 3,50
